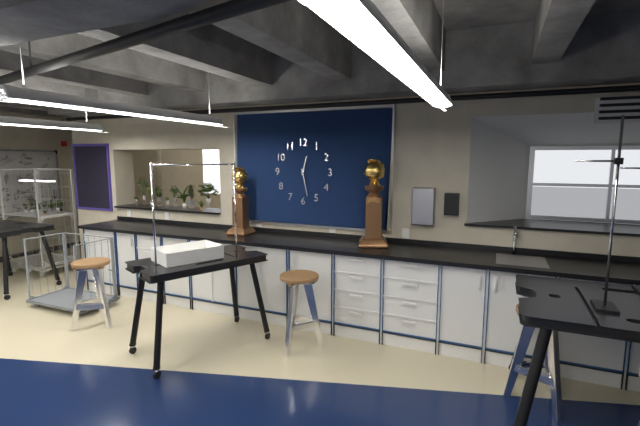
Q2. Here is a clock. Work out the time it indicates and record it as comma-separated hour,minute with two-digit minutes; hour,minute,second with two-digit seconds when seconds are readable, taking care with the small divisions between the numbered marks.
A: 12,28
